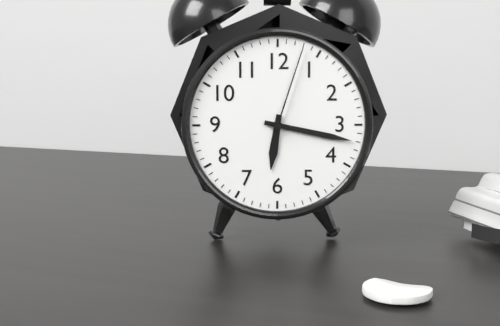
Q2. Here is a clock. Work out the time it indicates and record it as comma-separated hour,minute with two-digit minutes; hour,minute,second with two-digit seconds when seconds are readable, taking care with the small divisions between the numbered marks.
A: 6,17,03
